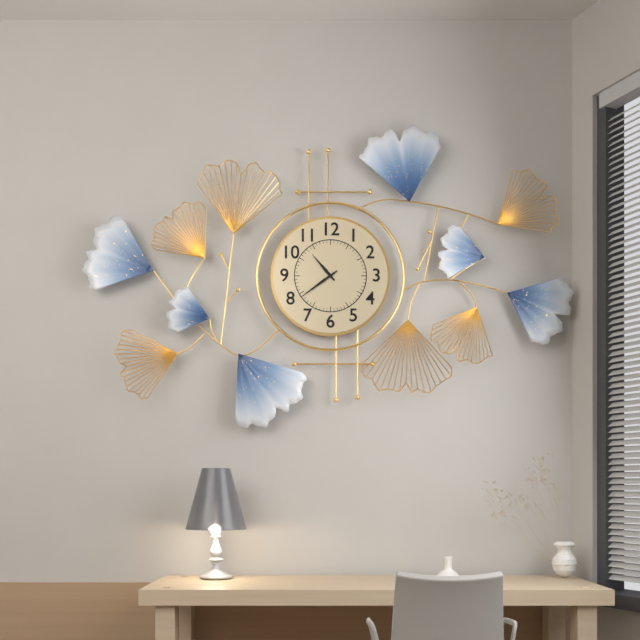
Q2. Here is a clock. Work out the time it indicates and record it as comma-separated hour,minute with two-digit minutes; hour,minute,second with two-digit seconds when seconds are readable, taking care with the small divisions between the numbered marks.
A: 10,39
